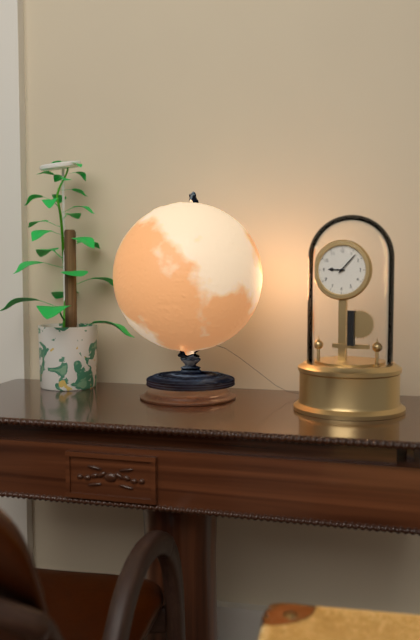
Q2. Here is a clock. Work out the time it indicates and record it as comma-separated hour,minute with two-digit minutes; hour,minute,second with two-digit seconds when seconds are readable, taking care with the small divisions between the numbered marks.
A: 9,07
